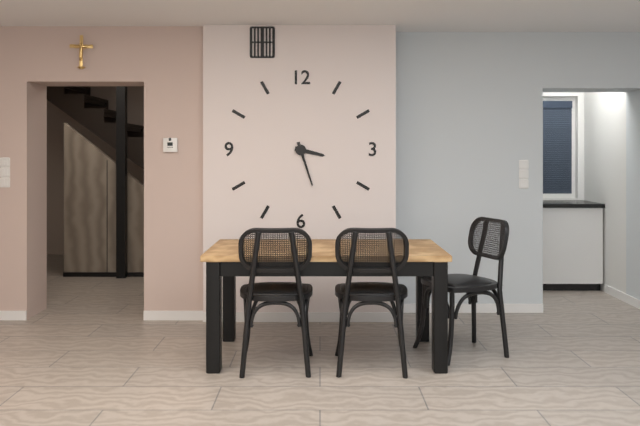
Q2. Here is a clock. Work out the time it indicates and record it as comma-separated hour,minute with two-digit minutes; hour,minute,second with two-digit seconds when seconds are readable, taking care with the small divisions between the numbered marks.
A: 3,27
